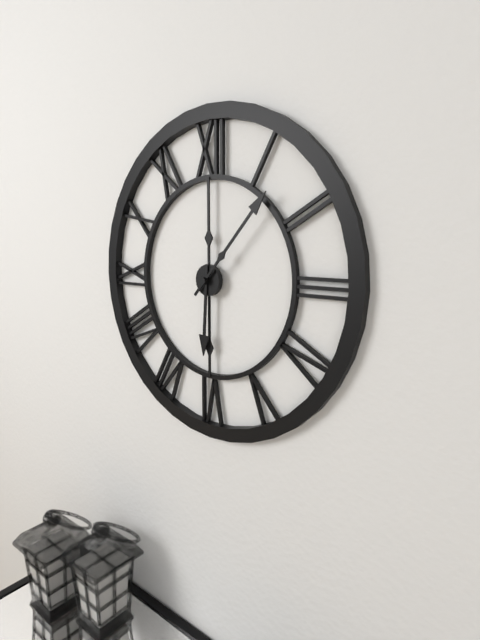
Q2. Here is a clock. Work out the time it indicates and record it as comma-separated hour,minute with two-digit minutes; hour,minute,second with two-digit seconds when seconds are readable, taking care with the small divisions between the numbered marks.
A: 6,07
